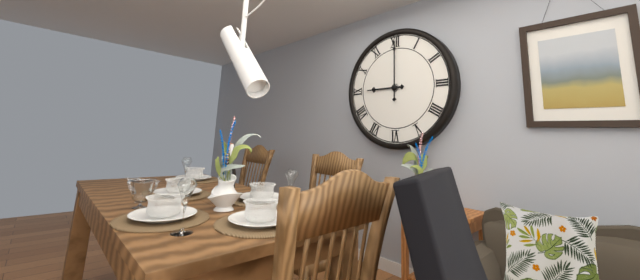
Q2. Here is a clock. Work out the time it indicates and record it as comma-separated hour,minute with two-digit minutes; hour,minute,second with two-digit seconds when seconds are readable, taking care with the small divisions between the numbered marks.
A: 9,00
